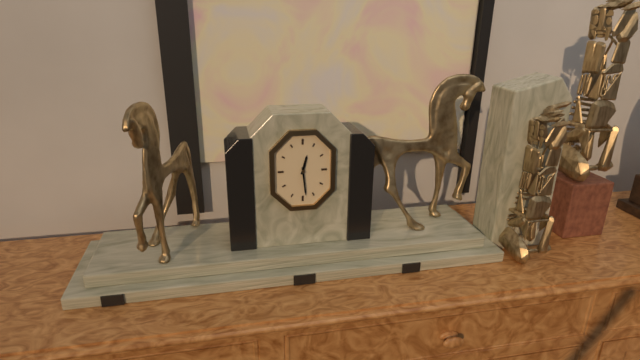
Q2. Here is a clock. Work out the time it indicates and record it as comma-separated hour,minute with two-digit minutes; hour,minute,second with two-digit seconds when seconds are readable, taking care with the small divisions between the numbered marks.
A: 12,29
